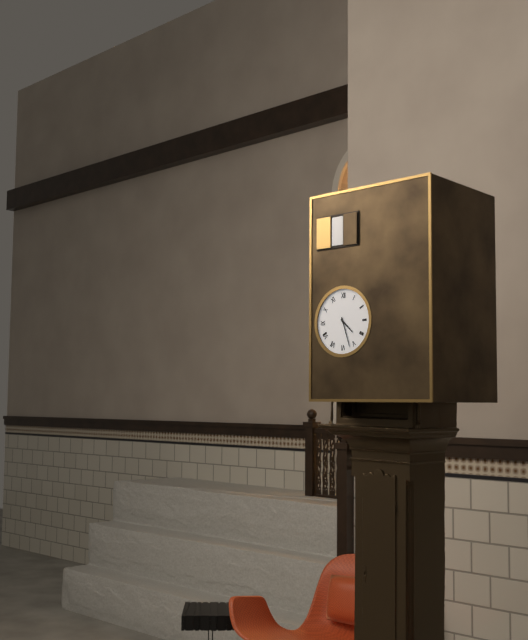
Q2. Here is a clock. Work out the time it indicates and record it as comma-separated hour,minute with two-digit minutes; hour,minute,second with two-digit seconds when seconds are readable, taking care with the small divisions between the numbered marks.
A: 4,27
